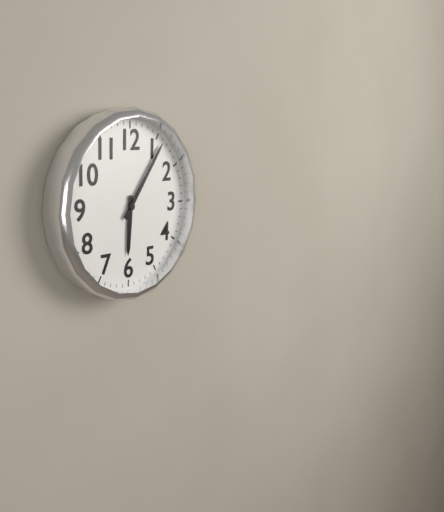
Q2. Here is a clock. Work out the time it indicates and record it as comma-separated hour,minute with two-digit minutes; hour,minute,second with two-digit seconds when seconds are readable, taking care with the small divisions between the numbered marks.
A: 6,06
